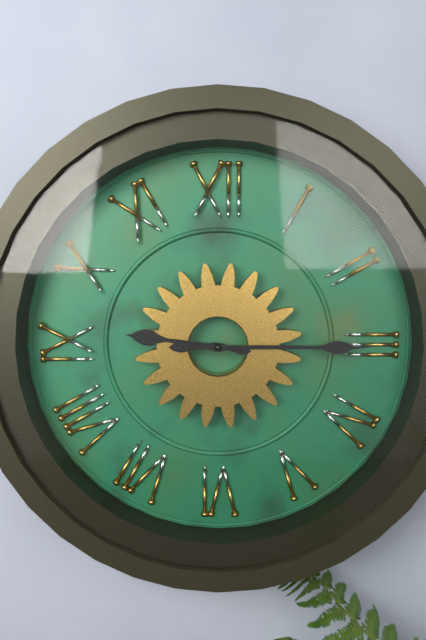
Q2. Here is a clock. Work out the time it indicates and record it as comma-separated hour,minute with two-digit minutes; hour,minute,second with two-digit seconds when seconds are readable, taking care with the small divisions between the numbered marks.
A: 9,15
